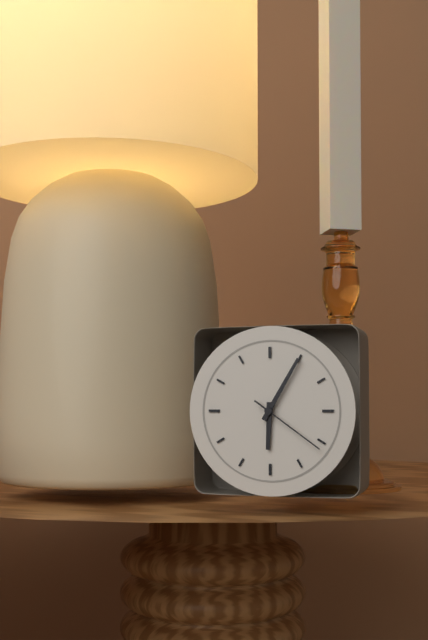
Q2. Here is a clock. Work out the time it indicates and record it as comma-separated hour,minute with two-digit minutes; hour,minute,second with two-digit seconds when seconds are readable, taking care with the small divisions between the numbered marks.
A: 6,05,21
